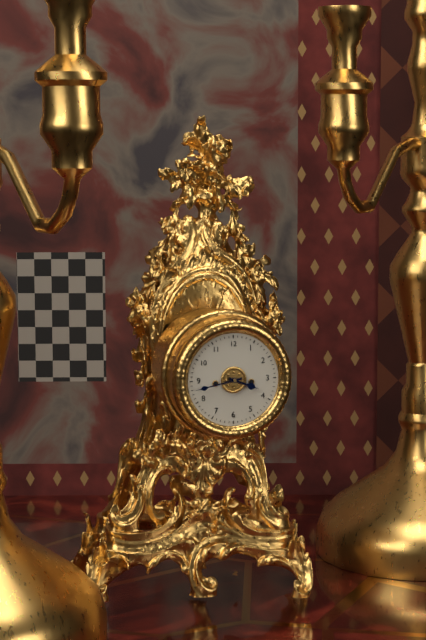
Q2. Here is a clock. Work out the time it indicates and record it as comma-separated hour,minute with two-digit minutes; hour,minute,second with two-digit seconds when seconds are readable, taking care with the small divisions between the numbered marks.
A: 3,43
